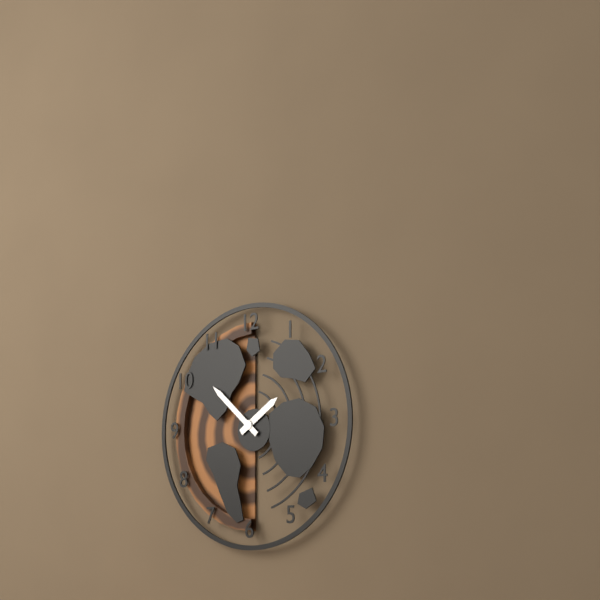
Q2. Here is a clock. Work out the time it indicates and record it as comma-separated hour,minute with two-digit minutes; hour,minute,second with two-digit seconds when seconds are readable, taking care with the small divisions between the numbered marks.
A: 1,52
